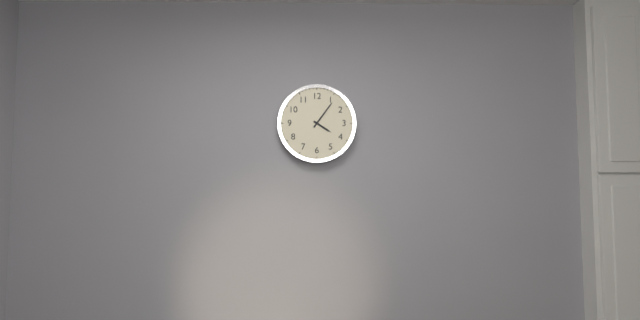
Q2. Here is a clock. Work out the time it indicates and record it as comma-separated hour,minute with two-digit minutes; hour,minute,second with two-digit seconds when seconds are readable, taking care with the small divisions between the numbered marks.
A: 4,06
